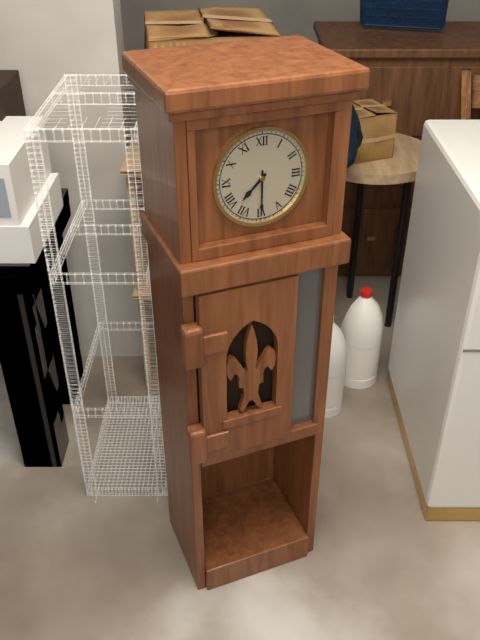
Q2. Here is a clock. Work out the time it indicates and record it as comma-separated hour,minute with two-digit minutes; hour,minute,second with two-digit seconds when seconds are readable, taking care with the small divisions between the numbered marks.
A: 7,30
